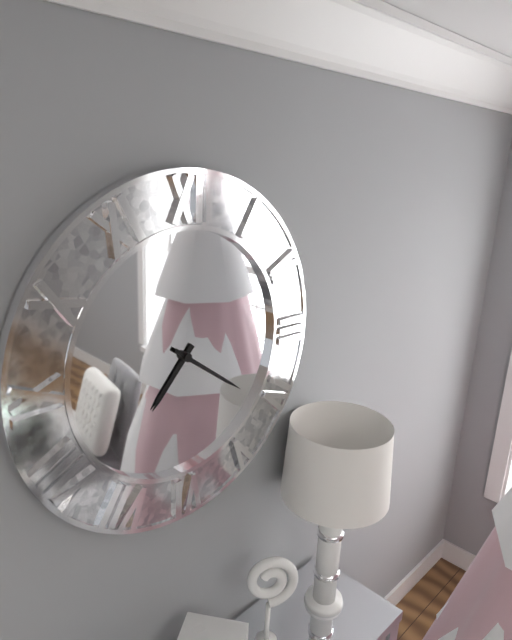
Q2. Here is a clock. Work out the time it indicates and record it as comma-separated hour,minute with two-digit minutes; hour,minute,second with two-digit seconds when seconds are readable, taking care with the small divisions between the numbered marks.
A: 7,21
